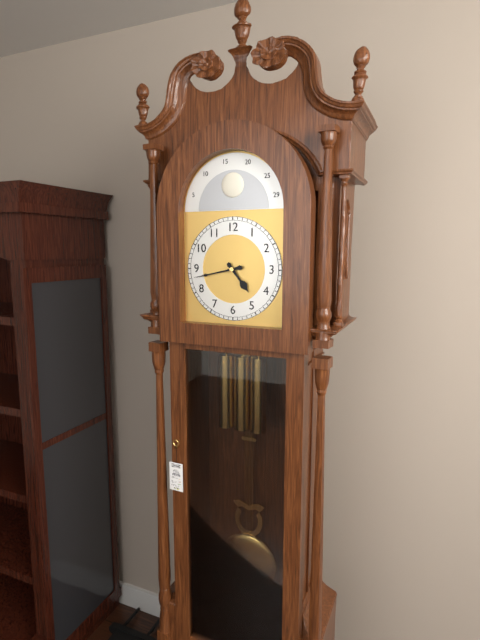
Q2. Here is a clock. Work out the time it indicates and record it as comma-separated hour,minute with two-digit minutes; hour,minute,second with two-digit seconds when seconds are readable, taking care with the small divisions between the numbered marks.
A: 4,43
